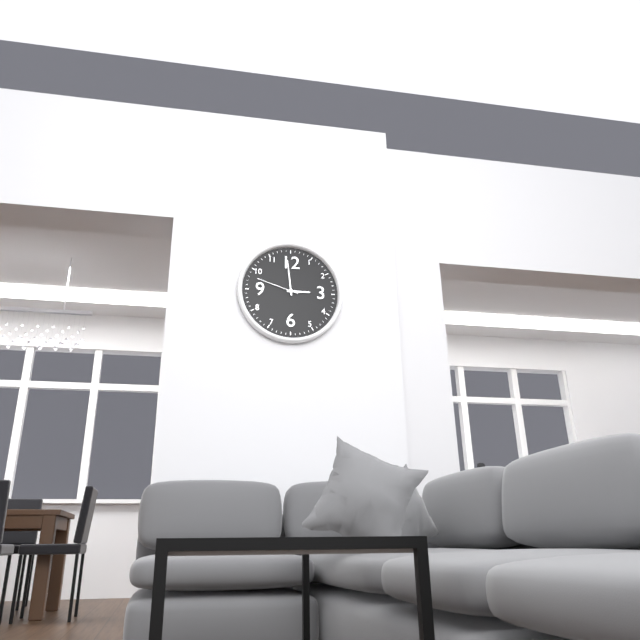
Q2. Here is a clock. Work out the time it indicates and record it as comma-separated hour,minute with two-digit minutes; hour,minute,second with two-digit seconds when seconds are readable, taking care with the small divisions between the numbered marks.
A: 2,59
